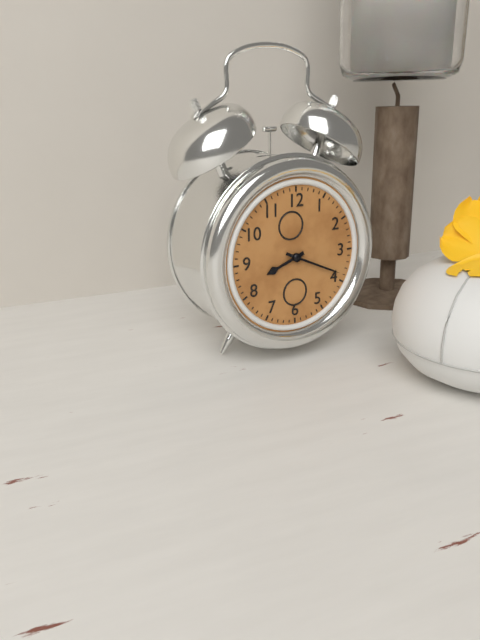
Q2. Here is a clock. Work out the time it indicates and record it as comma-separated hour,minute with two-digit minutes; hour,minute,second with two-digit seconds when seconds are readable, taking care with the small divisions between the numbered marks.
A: 8,19
